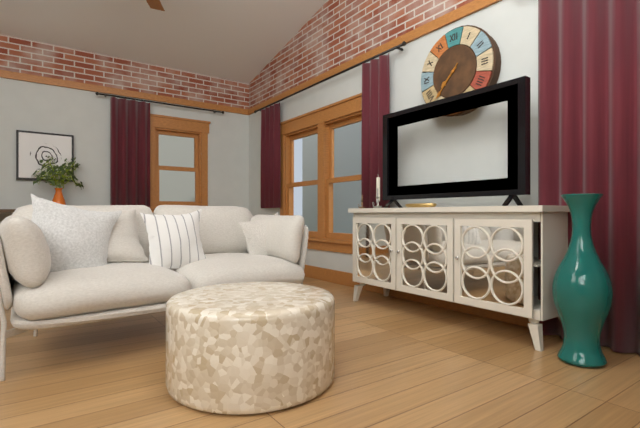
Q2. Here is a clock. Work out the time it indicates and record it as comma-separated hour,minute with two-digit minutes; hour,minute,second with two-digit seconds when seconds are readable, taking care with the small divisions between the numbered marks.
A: 7,37
